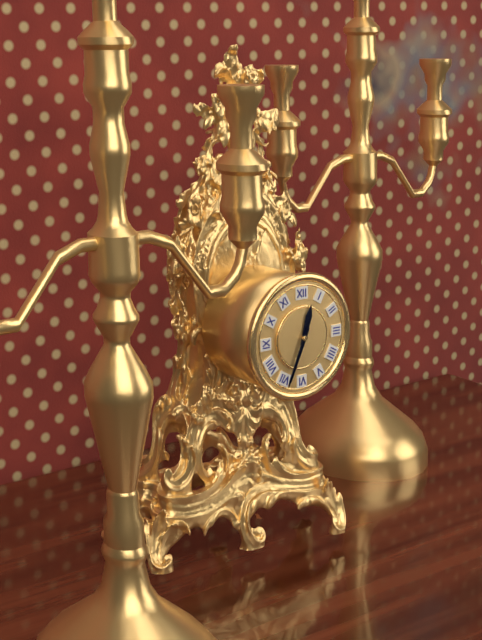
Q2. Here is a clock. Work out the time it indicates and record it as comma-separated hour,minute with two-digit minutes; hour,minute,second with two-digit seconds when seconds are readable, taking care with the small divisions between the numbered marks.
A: 12,34
